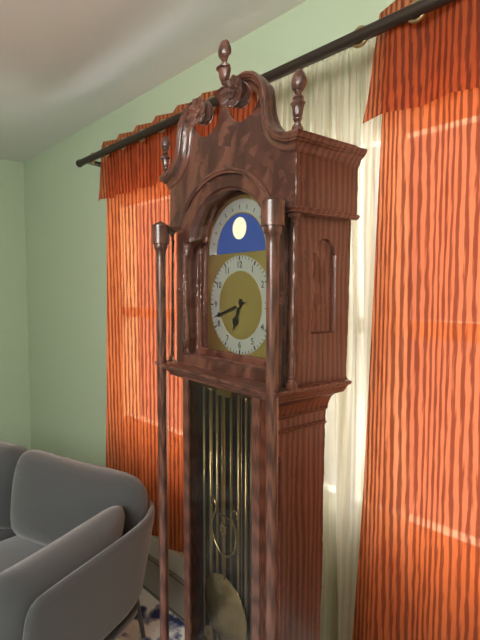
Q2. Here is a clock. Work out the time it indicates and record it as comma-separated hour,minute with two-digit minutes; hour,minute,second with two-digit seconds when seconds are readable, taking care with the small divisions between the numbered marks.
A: 6,42
